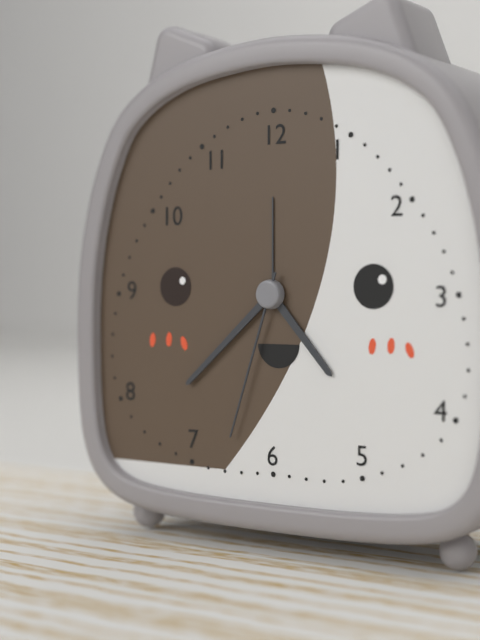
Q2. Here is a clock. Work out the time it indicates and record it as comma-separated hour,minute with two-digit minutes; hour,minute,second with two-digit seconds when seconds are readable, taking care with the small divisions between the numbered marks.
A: 4,38,33
